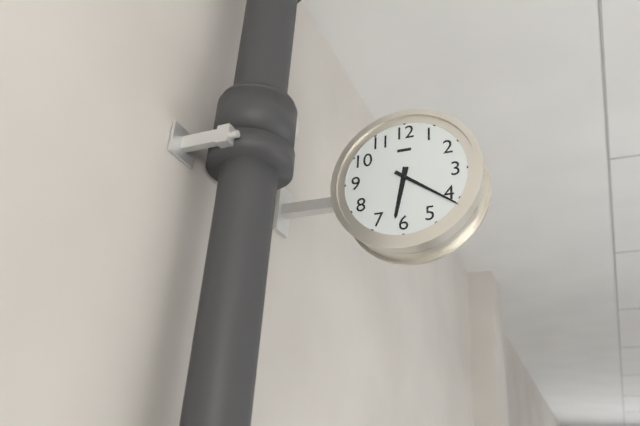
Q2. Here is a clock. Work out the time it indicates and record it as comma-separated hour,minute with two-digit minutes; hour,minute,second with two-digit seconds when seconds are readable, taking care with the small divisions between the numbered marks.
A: 6,21
